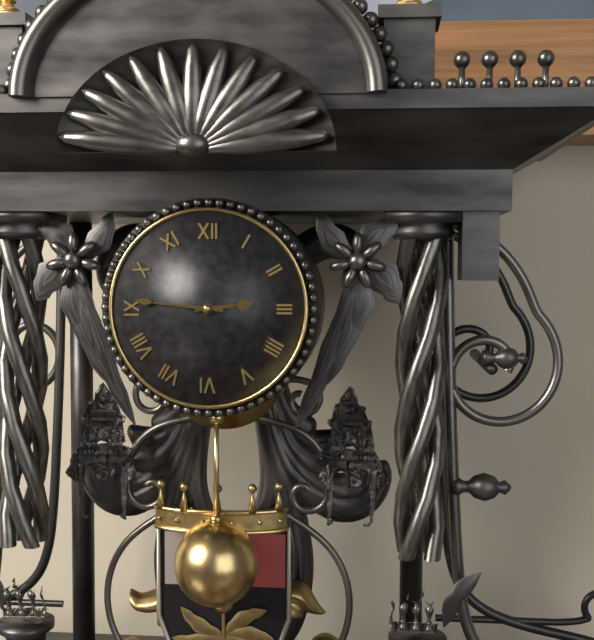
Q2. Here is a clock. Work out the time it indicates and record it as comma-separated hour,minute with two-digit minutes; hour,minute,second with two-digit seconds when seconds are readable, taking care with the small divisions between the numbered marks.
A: 2,46
